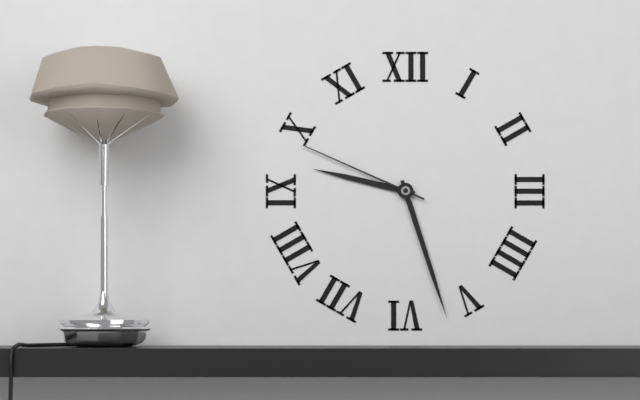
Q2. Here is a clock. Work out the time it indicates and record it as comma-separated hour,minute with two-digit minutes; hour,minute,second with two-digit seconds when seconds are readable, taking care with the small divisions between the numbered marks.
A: 9,27,49
